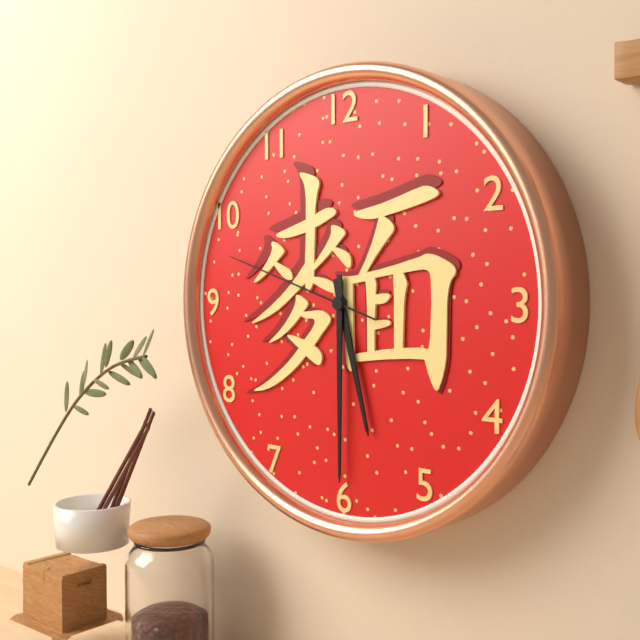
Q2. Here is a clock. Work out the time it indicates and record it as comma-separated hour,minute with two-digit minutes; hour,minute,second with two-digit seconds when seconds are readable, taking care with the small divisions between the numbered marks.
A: 5,30,48
